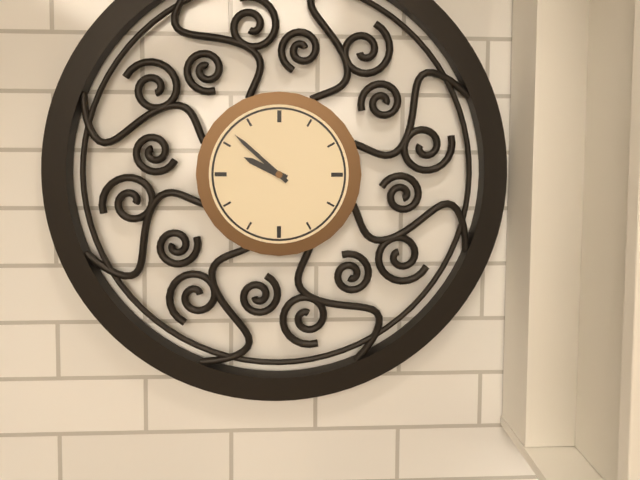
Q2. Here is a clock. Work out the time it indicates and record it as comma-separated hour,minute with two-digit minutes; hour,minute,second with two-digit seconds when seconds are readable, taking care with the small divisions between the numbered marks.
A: 9,52
